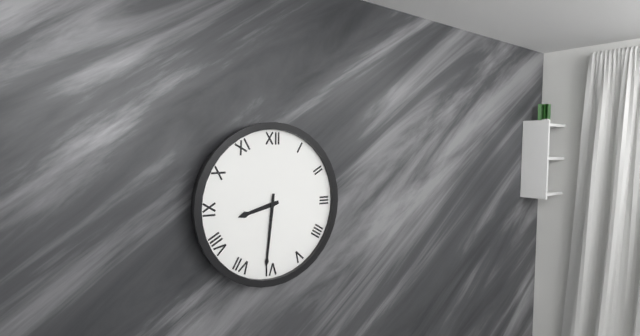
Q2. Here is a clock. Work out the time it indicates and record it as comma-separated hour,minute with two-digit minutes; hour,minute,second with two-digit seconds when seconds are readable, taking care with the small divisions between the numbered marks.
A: 8,31
